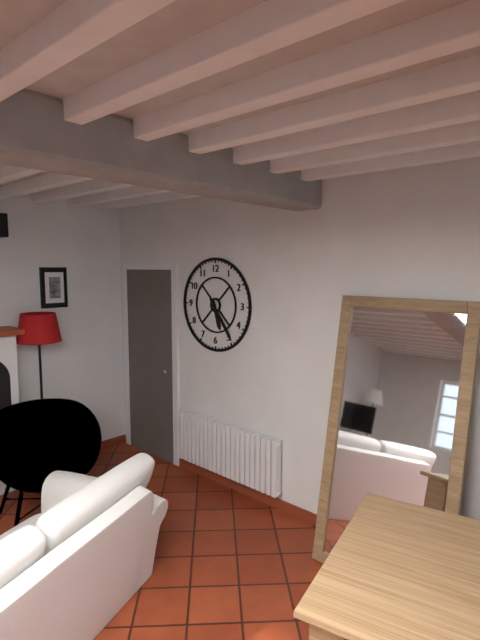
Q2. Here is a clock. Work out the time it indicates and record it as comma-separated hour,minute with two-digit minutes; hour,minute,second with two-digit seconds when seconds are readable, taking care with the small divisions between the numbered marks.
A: 5,24
